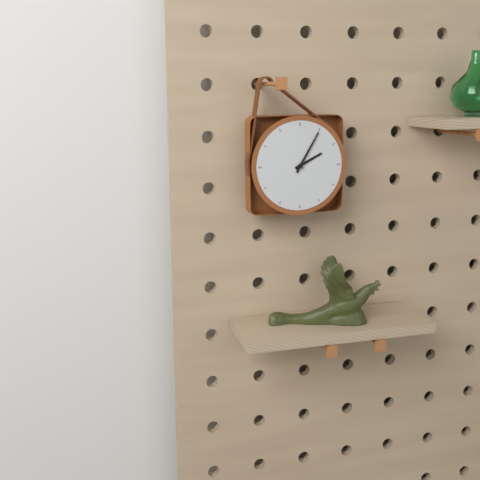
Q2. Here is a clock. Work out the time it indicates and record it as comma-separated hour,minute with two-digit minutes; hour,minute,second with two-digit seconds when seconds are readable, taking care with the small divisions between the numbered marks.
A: 2,05
